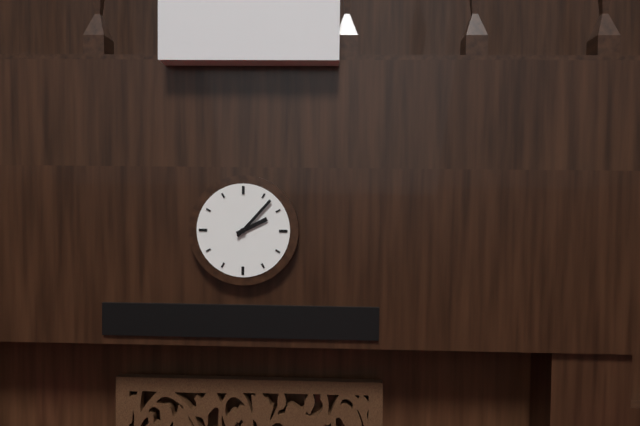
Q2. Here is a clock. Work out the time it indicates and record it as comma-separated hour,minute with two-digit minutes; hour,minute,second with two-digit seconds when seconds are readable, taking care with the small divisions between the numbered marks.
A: 2,07
